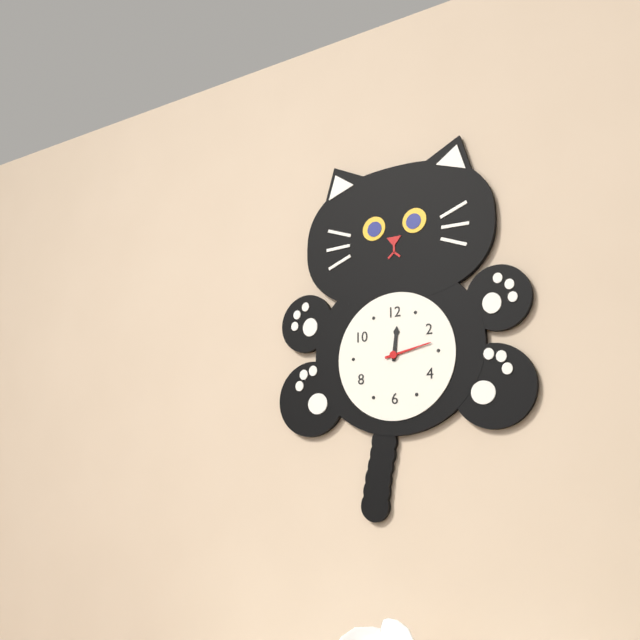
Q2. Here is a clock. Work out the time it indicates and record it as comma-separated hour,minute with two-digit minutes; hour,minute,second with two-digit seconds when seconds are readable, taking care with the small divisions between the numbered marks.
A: 12,13
